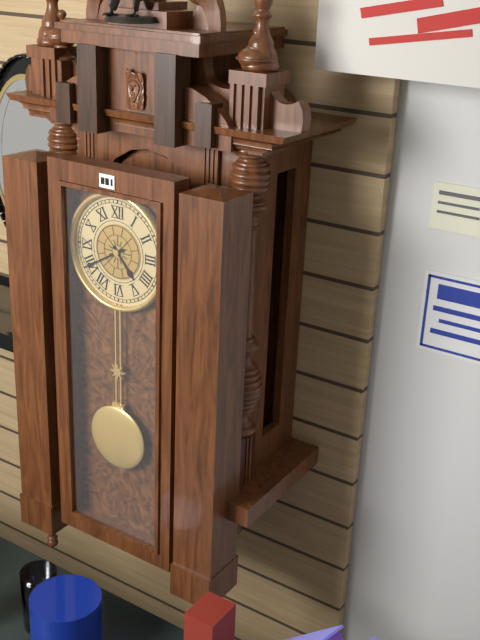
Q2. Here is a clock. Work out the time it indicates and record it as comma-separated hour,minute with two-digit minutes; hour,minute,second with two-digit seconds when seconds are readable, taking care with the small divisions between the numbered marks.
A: 4,40
